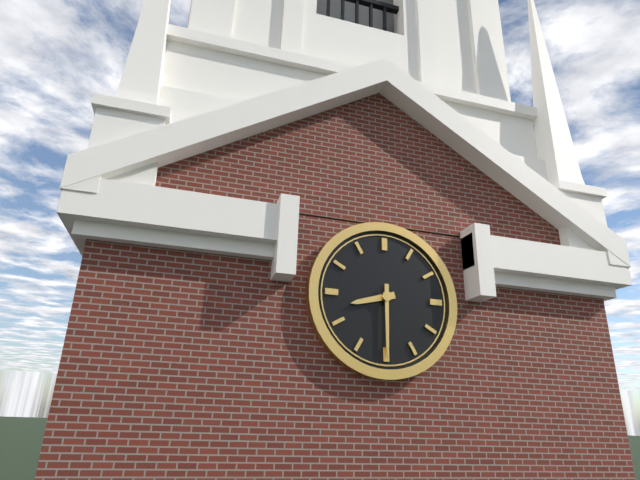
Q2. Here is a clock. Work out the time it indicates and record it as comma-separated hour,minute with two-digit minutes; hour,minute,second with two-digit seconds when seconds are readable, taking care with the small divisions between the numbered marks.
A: 8,30
